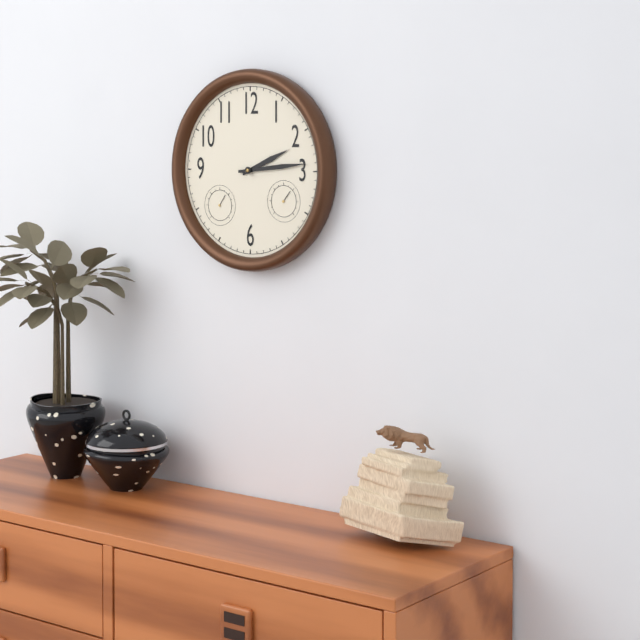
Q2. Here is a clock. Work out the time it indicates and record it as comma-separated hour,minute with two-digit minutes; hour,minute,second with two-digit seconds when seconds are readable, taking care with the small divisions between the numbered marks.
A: 2,14
